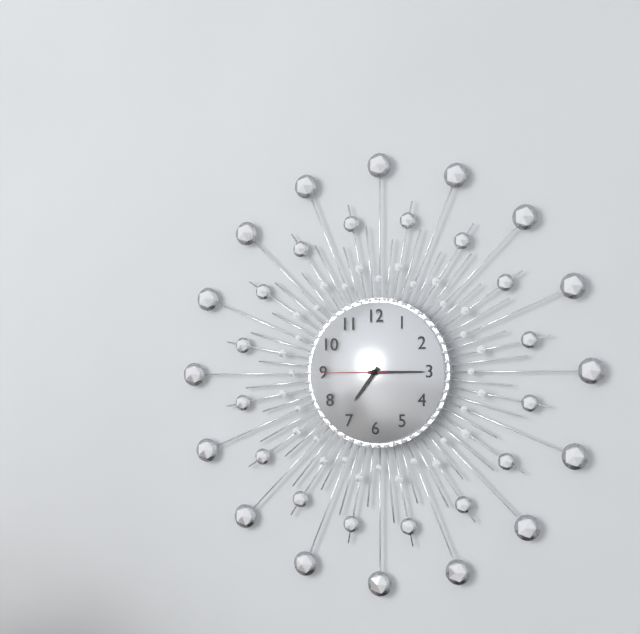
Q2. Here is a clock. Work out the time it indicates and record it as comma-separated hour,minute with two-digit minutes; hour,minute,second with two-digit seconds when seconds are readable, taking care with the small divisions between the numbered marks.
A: 7,15,45
